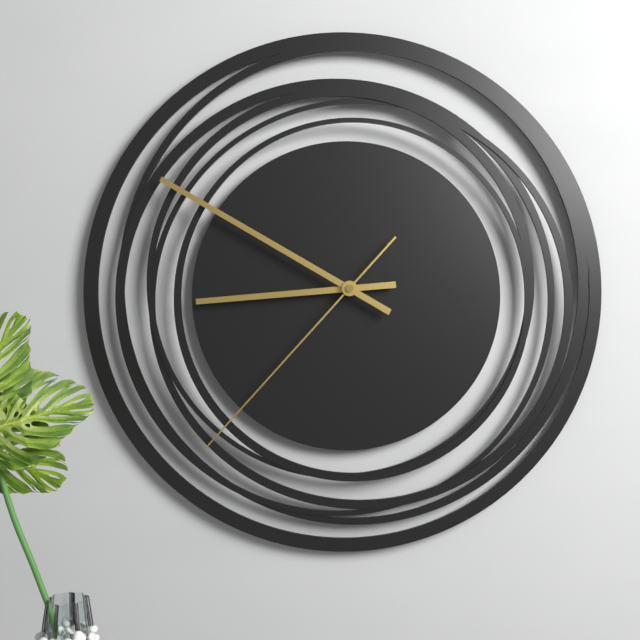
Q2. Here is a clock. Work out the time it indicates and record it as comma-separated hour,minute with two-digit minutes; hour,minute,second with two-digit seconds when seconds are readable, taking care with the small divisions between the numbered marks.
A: 8,50,37
